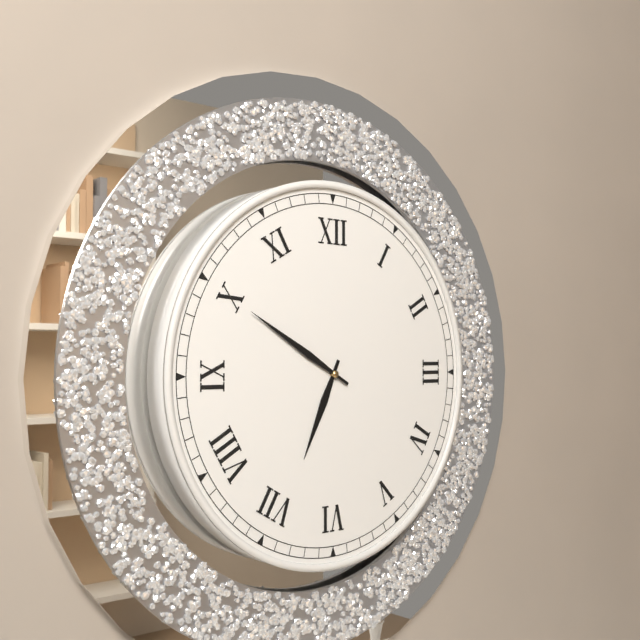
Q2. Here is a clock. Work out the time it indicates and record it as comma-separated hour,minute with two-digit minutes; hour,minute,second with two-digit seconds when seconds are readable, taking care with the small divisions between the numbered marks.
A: 6,50
